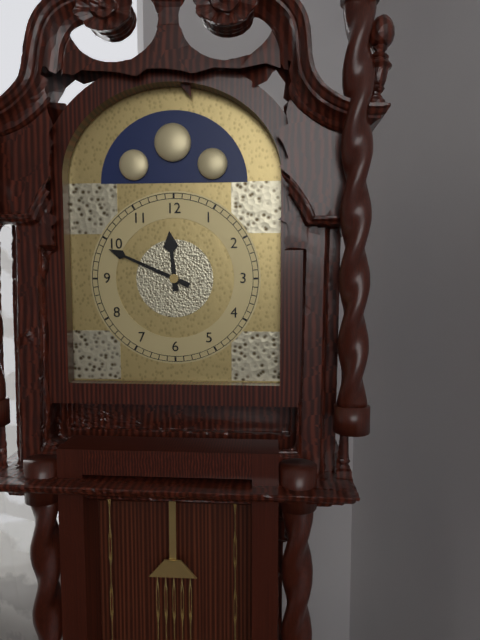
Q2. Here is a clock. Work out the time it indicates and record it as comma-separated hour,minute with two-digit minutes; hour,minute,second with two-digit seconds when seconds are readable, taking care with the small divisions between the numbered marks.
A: 11,49
